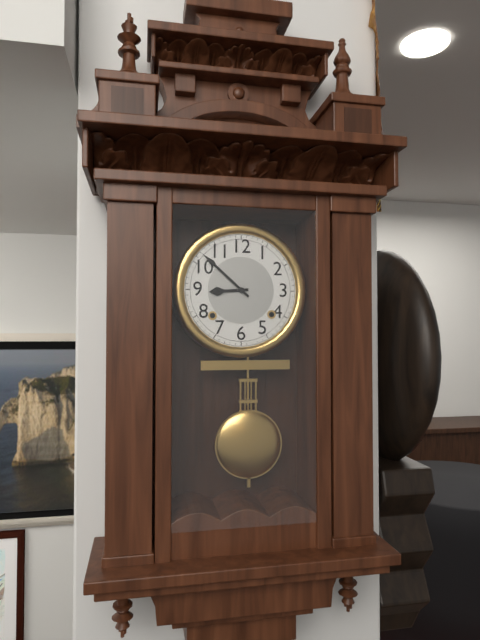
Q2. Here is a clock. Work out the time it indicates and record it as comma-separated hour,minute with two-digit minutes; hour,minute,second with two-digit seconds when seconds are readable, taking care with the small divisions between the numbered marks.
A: 8,52
